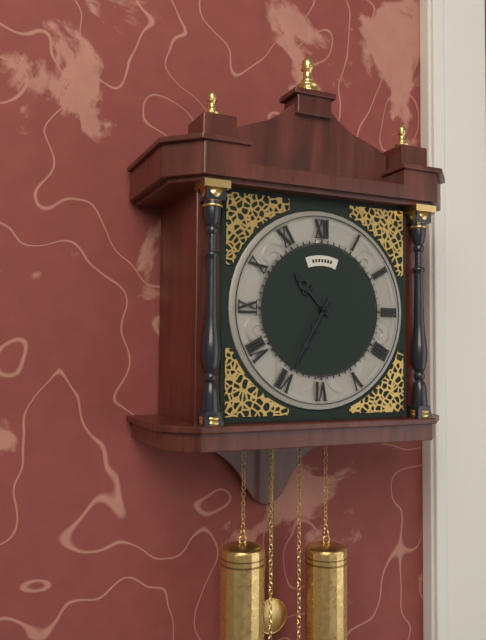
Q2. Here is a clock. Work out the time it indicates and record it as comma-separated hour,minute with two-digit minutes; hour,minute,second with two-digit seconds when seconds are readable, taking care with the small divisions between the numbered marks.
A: 10,35
